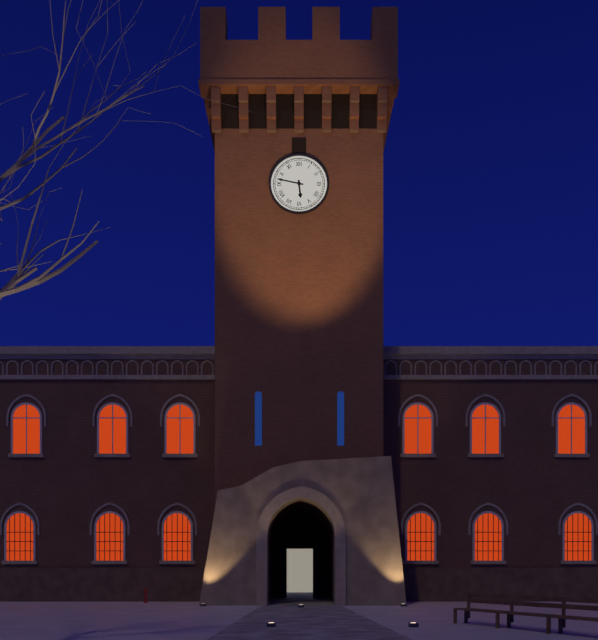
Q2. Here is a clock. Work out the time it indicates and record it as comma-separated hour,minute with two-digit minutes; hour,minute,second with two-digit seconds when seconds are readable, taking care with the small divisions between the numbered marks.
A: 5,47
